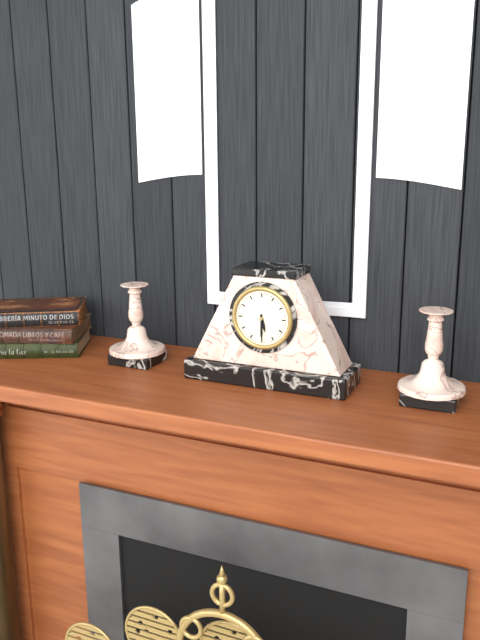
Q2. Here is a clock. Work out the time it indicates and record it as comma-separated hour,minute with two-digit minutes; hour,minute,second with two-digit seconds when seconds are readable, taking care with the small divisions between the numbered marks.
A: 5,30
